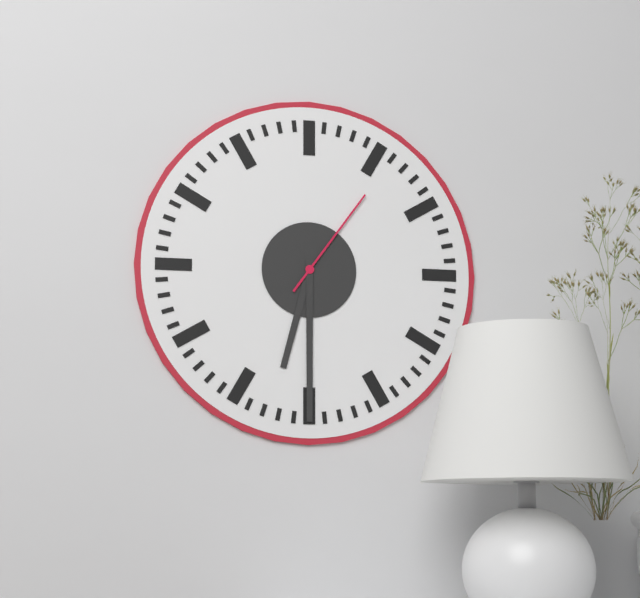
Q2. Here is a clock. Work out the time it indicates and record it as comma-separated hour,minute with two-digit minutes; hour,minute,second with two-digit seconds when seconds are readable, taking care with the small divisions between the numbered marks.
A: 6,30,06
